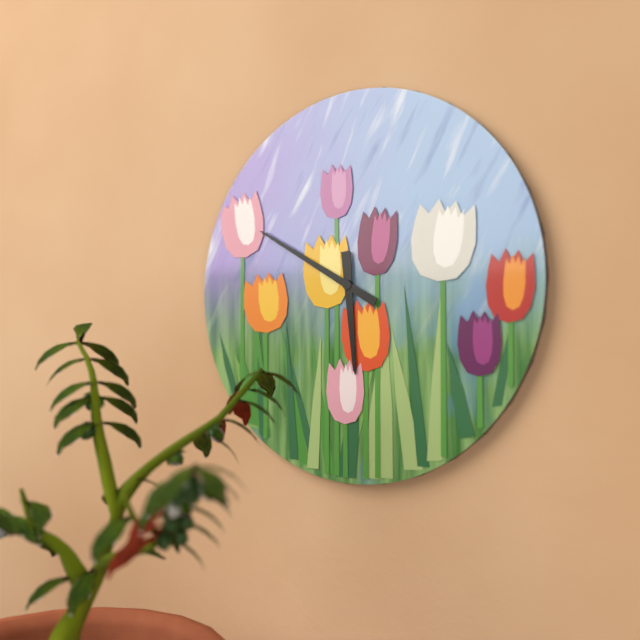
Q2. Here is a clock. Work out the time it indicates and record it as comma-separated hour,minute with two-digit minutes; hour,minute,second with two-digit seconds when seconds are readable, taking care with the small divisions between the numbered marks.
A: 5,50
